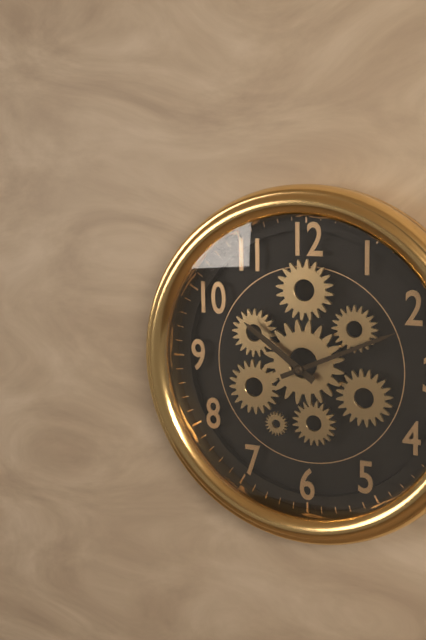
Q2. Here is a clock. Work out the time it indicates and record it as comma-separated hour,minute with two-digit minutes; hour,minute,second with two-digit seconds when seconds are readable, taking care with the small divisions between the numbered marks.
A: 10,11
